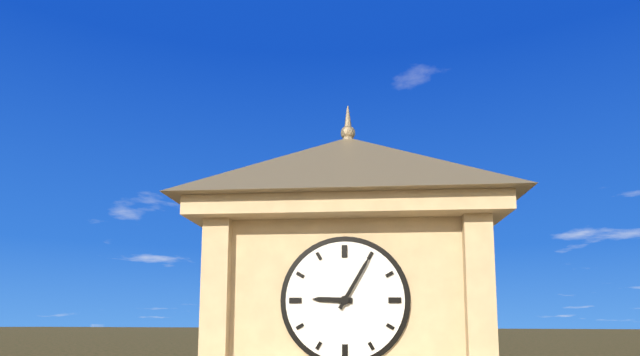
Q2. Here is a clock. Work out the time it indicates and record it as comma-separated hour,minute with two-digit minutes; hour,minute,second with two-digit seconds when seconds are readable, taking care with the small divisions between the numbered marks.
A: 9,05
